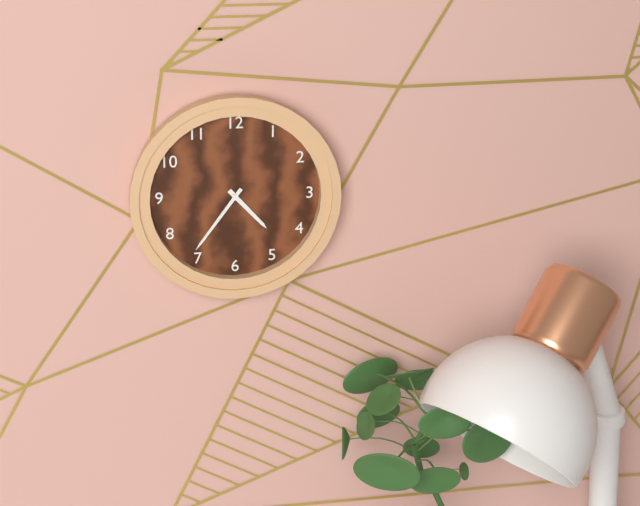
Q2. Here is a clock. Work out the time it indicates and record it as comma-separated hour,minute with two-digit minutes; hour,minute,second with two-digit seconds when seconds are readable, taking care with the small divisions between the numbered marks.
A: 4,36
